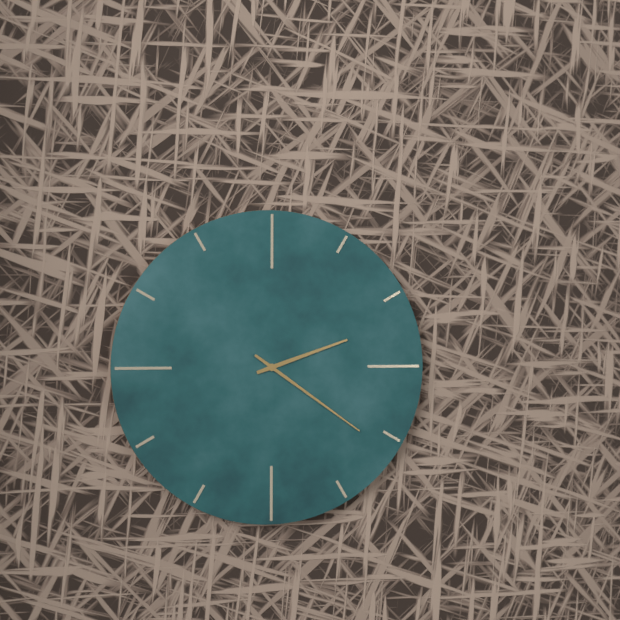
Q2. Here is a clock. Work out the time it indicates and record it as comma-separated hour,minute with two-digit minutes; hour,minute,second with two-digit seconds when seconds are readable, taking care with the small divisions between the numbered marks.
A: 2,21
